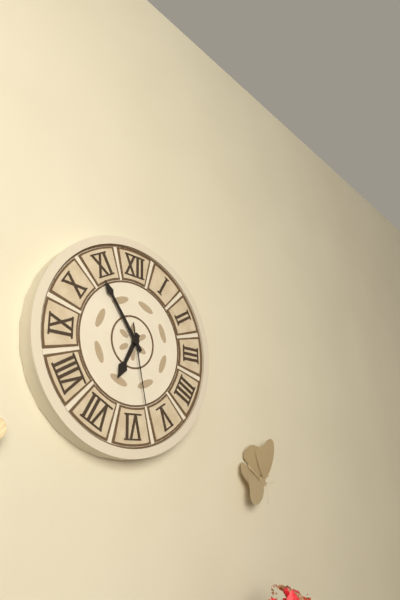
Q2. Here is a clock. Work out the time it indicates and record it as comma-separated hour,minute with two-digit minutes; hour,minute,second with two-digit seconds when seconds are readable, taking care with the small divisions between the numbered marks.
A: 6,54,28
